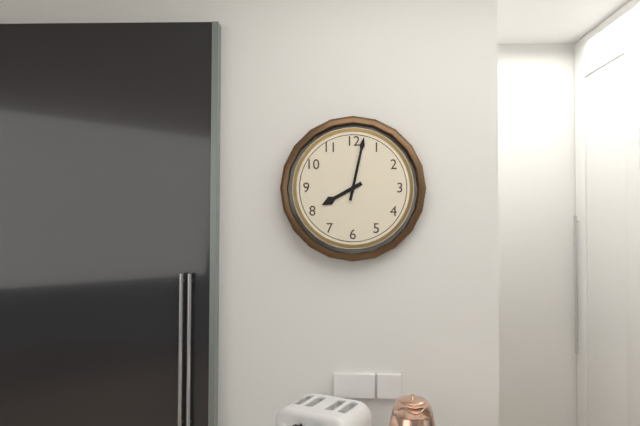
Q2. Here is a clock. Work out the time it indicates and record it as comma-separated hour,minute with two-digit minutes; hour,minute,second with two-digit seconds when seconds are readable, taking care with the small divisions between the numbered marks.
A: 8,02
